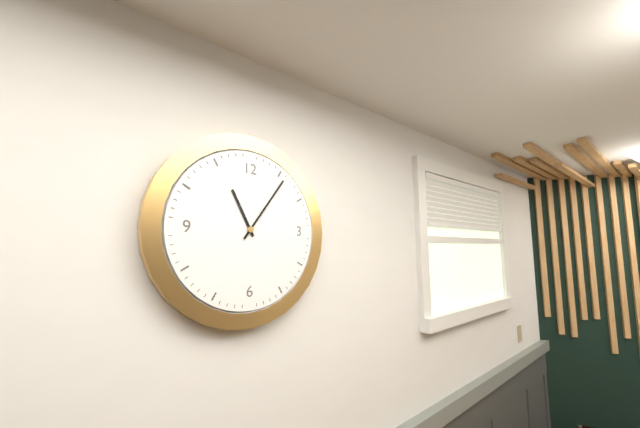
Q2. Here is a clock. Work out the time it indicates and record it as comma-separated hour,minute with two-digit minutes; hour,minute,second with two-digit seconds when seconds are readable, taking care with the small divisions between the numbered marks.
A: 11,06
